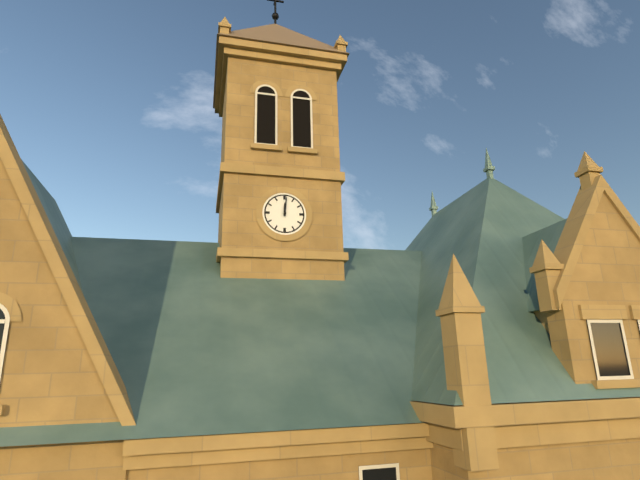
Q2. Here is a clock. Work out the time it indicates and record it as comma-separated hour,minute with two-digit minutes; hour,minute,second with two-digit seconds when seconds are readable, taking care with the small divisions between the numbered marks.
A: 12,01
